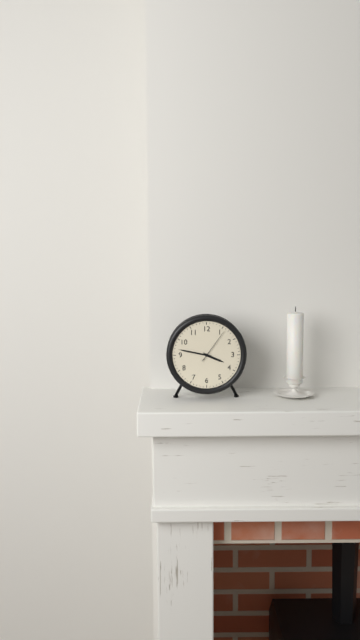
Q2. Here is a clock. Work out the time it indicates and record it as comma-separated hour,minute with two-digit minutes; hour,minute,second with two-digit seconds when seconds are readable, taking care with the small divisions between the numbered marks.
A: 3,47
